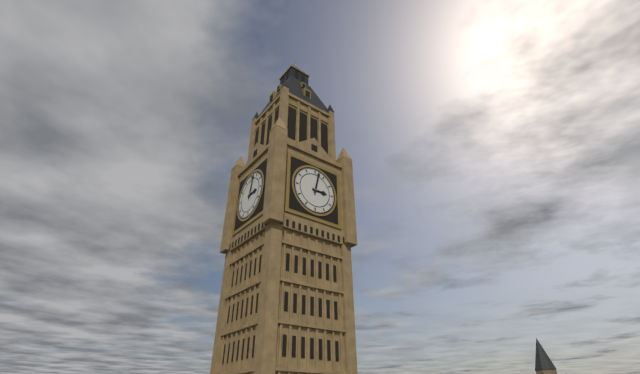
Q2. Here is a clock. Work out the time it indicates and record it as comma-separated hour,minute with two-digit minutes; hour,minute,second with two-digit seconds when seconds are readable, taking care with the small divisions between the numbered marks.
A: 3,02
